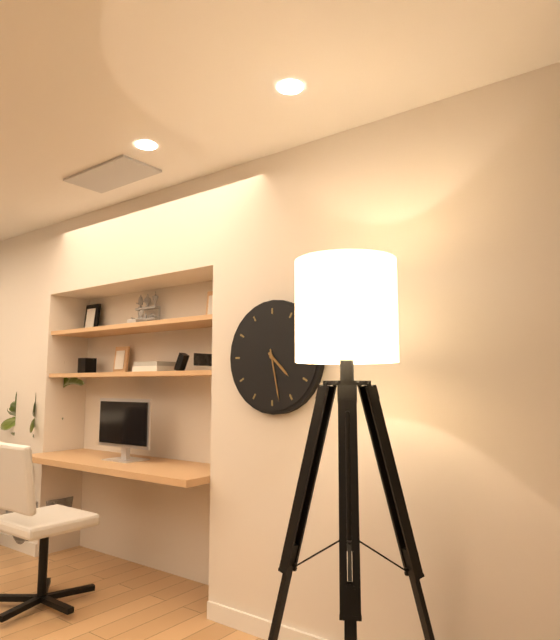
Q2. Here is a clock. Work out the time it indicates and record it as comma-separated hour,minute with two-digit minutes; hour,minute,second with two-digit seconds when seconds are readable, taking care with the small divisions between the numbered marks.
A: 4,28
